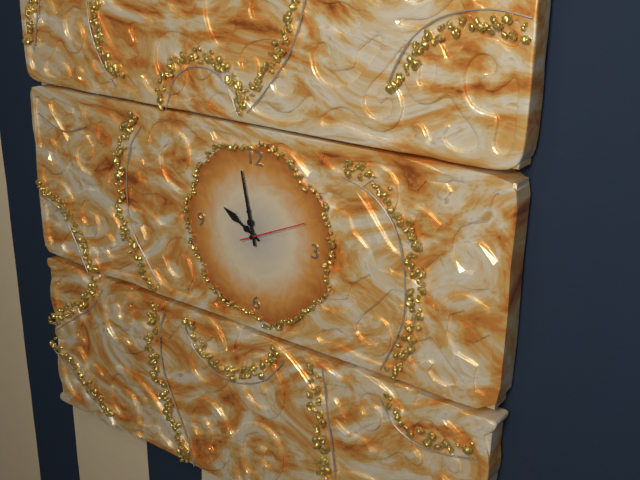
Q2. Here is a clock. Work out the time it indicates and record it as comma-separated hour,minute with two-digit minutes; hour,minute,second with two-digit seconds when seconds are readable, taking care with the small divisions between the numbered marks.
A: 9,58
